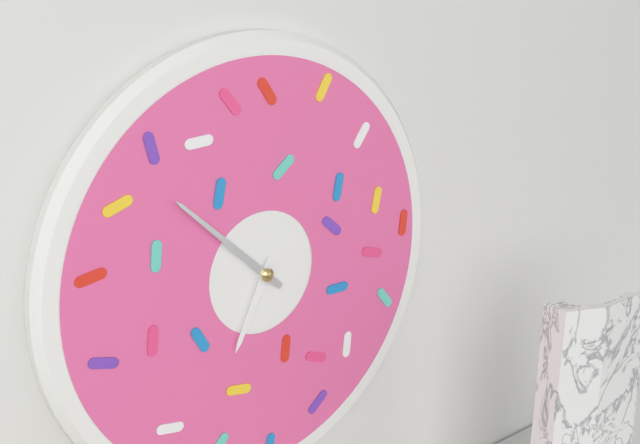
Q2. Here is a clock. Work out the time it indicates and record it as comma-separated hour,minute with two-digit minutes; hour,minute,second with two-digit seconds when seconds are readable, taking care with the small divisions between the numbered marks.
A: 6,52
